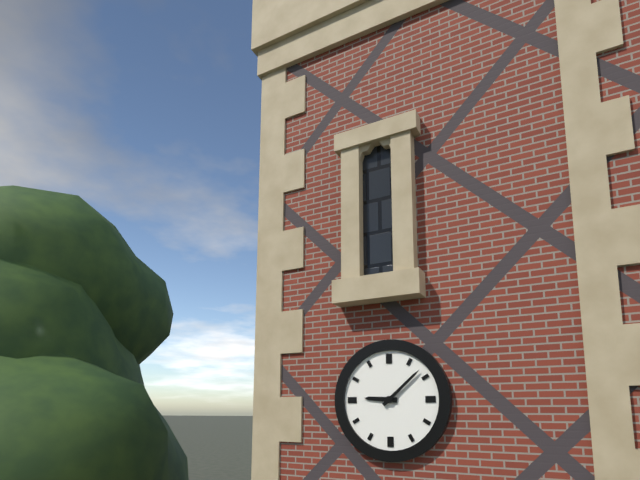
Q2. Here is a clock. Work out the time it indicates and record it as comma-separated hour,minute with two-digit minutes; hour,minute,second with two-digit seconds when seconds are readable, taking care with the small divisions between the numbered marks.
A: 9,08
